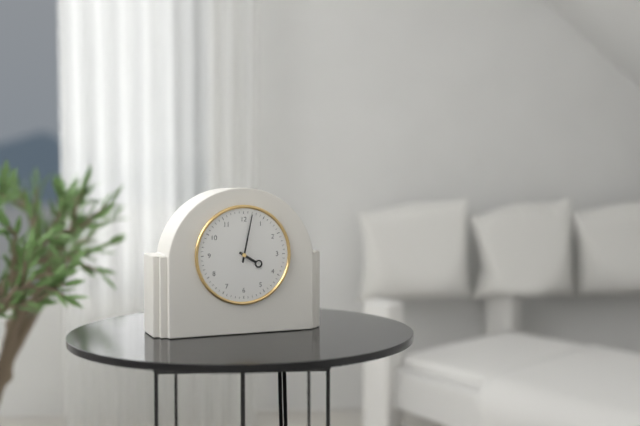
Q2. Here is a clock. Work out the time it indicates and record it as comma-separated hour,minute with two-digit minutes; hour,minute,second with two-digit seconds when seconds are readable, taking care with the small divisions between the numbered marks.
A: 4,02
